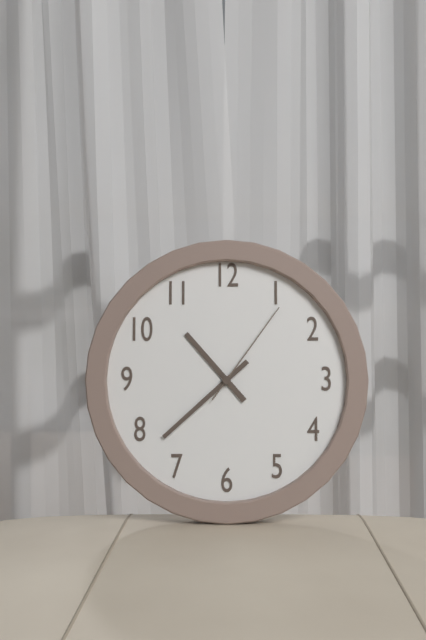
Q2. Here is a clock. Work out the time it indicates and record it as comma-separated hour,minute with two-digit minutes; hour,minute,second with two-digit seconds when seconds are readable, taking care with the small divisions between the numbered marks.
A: 10,38,06
